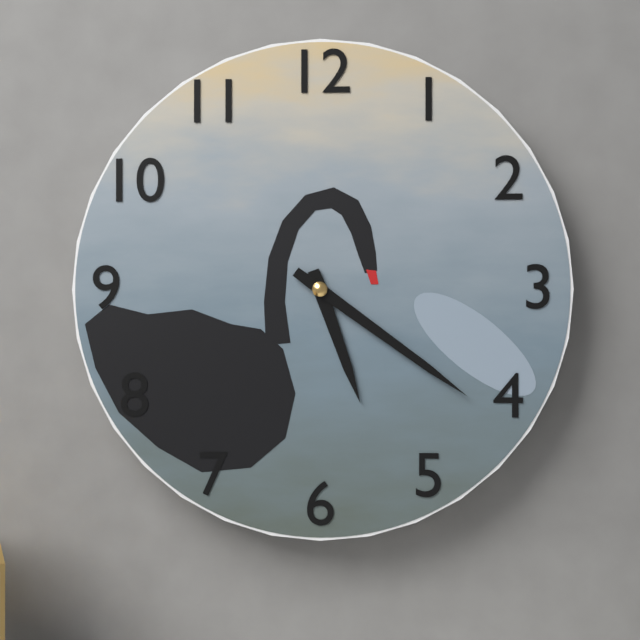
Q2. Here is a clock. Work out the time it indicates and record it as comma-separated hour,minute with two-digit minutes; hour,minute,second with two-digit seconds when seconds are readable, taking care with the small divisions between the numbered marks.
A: 5,21
